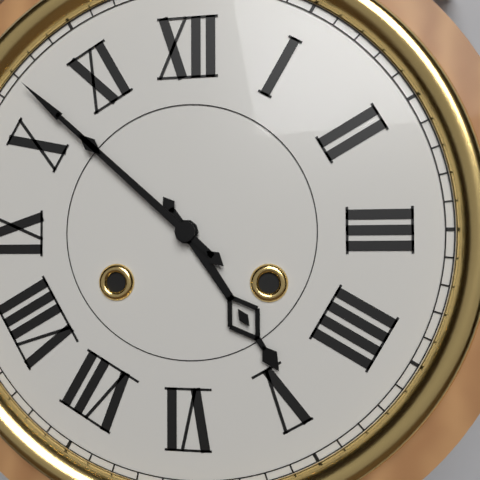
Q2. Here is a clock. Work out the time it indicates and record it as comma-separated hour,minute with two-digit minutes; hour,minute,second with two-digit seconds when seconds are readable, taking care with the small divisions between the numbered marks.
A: 4,52
